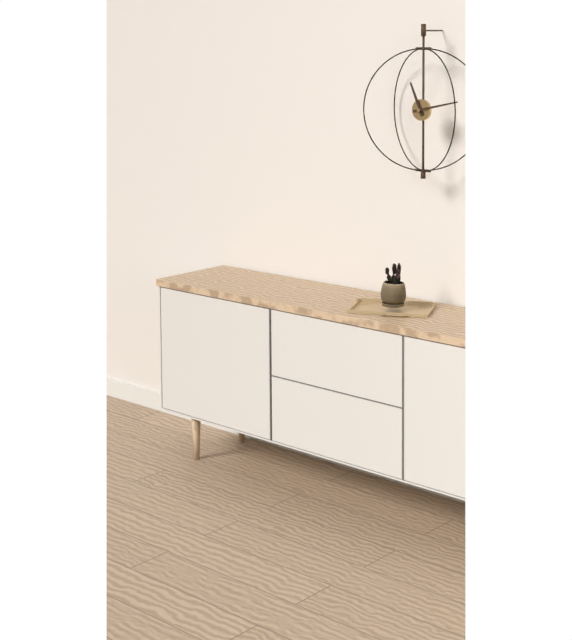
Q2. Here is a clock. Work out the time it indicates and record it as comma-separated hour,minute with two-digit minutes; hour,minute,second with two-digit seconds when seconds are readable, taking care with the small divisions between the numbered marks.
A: 11,13
